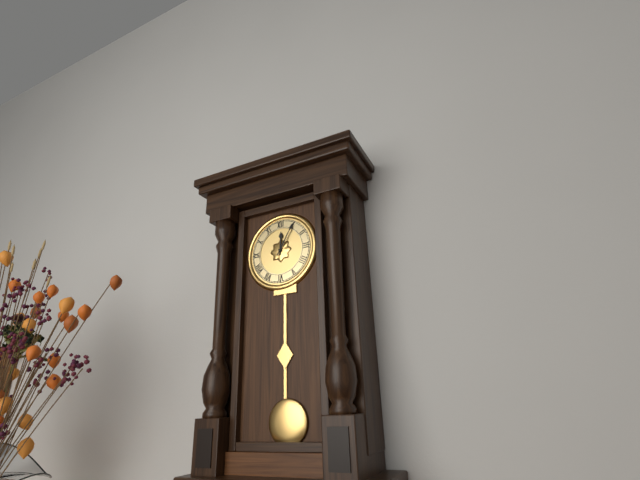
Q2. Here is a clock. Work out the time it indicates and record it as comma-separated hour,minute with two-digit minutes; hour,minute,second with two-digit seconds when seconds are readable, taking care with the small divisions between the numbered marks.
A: 12,05
